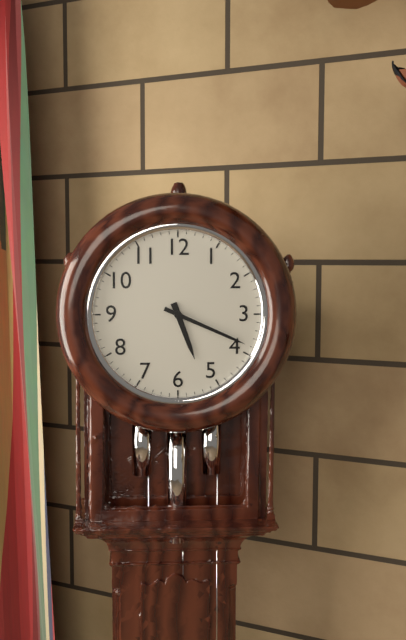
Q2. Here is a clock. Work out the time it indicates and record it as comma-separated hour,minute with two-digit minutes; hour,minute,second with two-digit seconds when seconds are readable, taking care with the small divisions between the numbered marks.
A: 5,19
